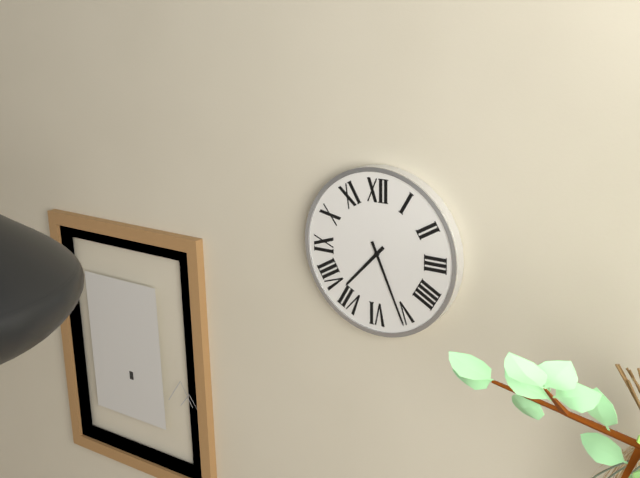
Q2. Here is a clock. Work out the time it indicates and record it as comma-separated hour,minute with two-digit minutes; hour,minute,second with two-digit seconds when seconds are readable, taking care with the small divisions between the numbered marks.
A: 7,26
